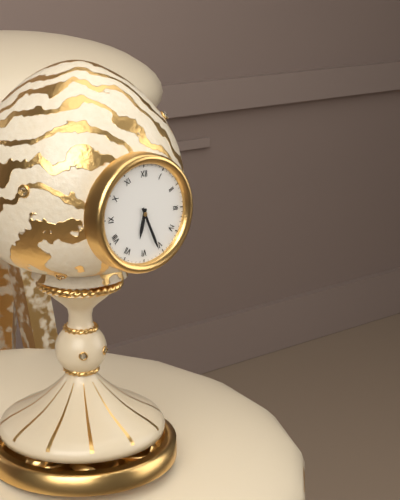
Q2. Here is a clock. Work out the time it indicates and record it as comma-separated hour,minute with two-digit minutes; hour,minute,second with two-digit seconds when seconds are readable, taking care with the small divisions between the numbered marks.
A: 6,26
